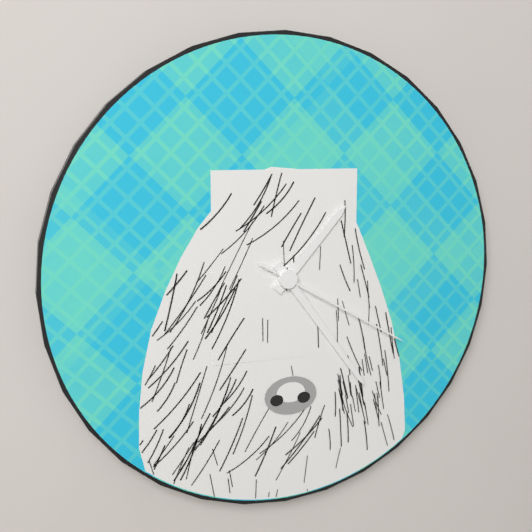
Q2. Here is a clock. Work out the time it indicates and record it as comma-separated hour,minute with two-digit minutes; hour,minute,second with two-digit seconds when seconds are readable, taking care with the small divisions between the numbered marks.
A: 1,24,20
